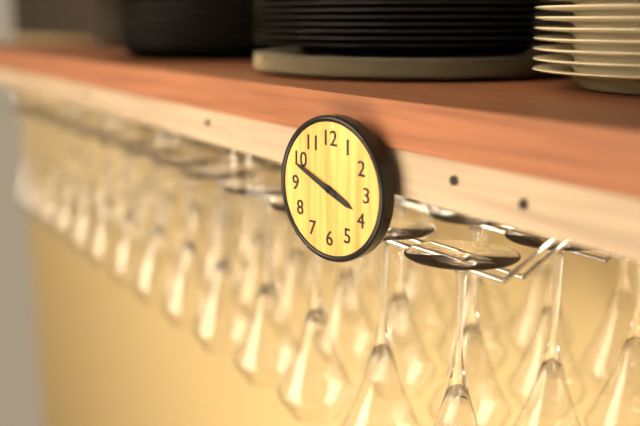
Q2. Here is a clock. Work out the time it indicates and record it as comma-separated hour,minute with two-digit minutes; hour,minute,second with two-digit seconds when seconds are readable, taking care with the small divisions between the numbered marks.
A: 3,49
